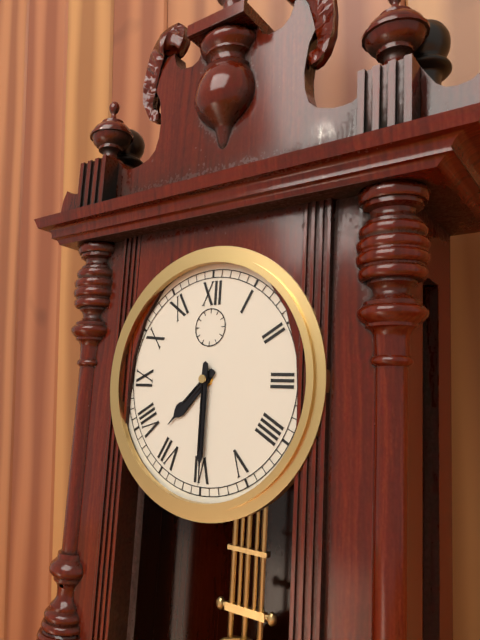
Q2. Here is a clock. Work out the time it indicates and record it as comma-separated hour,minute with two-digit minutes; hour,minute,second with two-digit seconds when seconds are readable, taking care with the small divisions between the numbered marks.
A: 7,30
